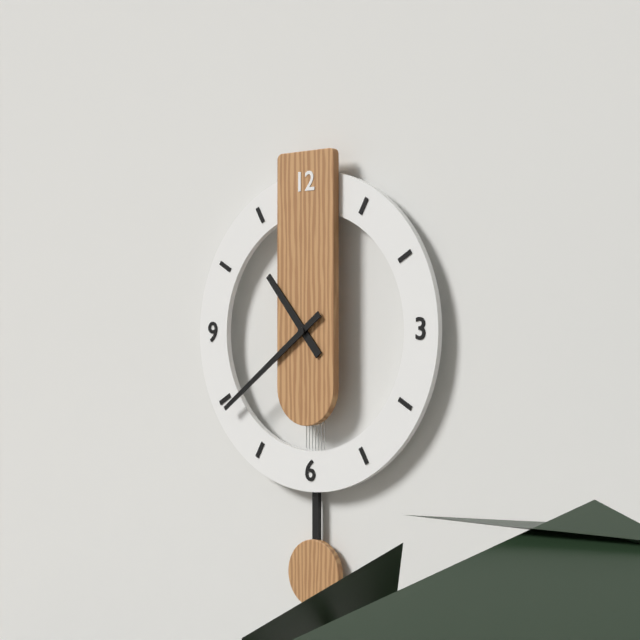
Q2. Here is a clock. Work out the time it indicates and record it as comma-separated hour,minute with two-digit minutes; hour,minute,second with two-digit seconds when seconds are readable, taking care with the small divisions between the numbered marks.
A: 10,39
